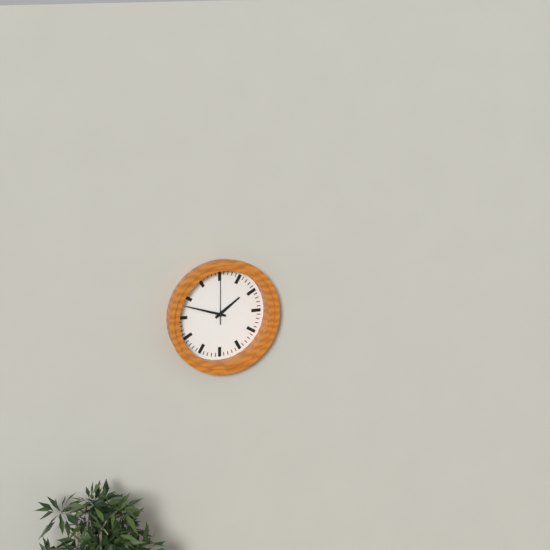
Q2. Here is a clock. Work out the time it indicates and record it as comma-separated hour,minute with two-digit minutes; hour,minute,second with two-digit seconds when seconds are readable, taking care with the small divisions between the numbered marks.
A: 1,48,00
